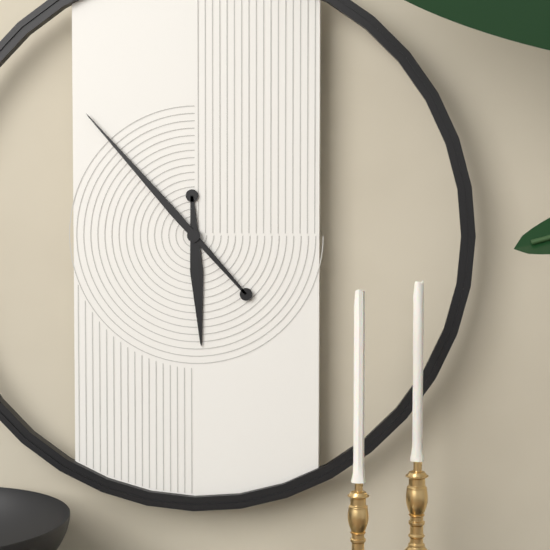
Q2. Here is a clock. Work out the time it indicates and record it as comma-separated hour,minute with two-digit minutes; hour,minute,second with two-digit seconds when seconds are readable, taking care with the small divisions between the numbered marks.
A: 5,53
